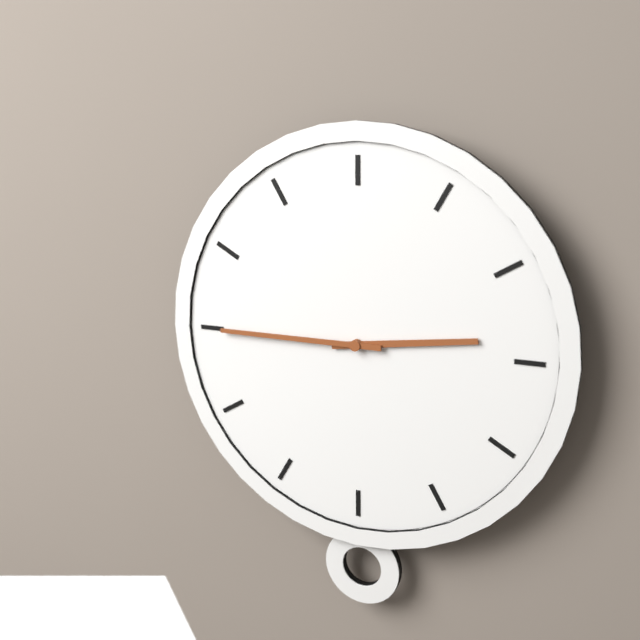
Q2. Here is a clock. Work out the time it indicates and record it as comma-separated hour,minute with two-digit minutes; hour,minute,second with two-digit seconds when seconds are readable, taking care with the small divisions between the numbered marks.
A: 2,45
